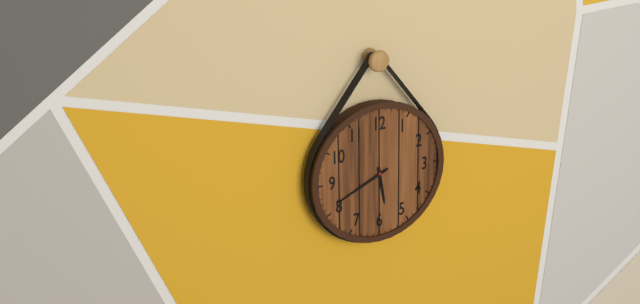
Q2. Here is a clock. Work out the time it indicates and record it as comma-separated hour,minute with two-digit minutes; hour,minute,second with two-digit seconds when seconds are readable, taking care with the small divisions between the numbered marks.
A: 5,41
